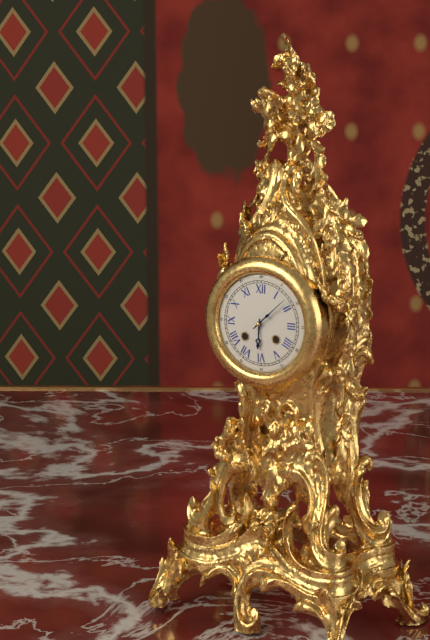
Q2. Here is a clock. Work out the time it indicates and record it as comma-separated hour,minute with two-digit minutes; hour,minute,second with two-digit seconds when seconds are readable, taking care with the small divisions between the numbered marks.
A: 6,08
